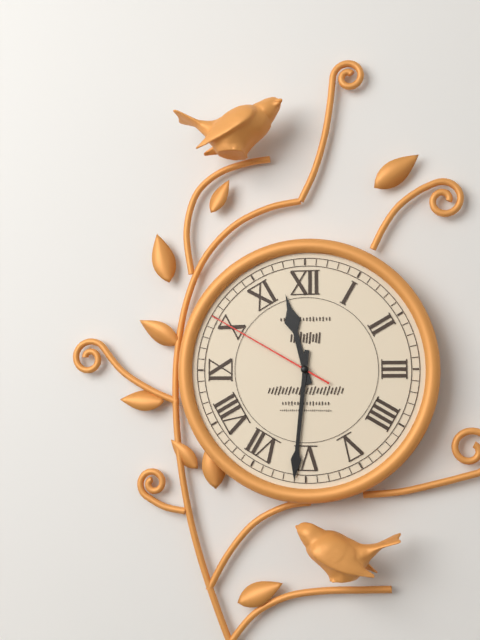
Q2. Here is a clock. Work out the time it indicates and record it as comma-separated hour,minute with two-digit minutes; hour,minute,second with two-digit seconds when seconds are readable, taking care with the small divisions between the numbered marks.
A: 11,31,50
